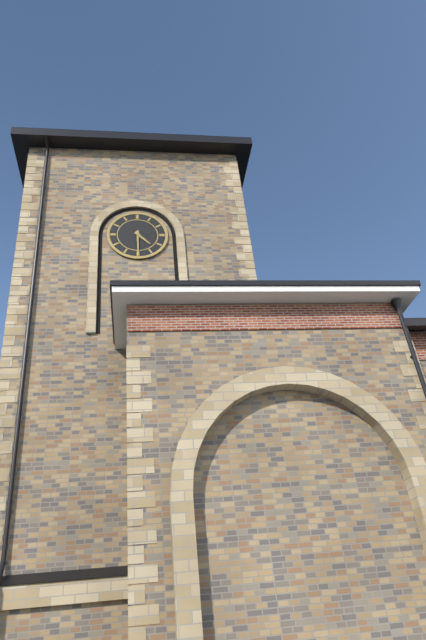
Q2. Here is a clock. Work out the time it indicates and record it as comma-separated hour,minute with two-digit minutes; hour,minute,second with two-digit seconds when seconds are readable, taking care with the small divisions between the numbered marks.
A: 4,30
